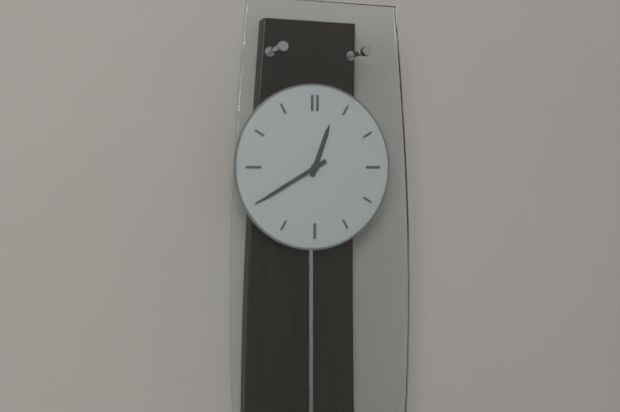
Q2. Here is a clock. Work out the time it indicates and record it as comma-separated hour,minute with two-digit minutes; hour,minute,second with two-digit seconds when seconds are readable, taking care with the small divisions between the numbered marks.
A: 12,40
